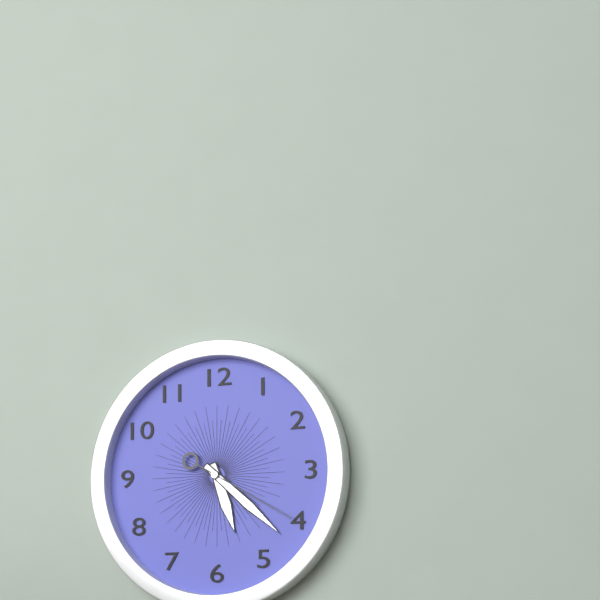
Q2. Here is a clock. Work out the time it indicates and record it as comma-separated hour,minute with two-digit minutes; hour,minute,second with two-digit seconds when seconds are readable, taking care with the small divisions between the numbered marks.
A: 5,22,20
